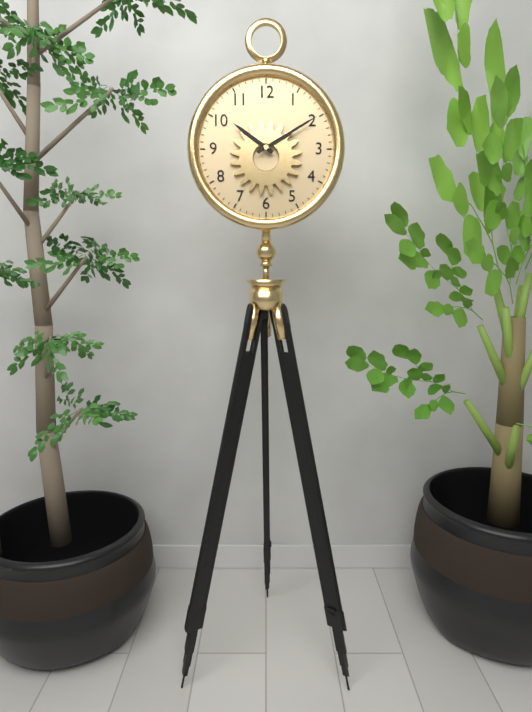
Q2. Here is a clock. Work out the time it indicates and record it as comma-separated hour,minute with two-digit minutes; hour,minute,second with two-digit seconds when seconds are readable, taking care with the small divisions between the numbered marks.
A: 10,10
